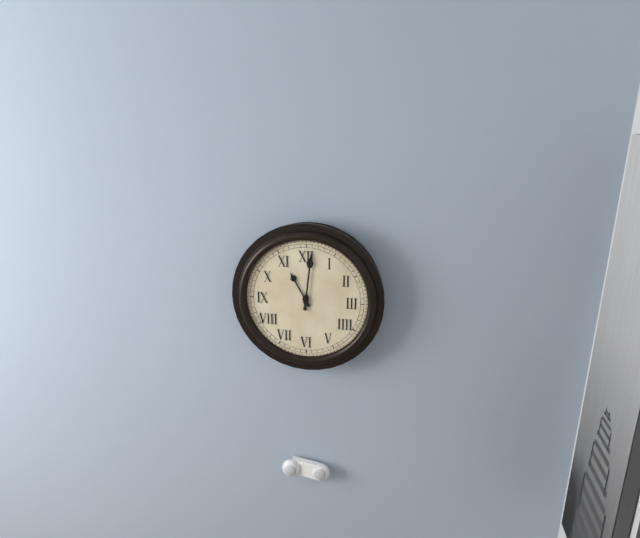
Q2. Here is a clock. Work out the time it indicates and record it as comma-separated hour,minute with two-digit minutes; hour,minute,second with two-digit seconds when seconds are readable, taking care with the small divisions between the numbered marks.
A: 11,01
